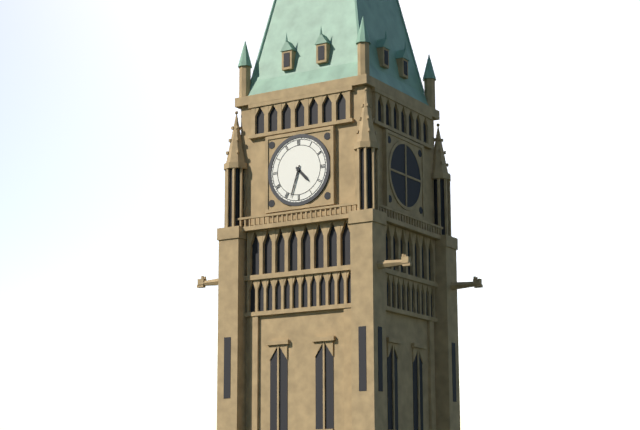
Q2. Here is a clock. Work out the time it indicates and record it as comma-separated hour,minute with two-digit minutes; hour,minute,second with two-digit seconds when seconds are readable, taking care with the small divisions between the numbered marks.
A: 4,33
